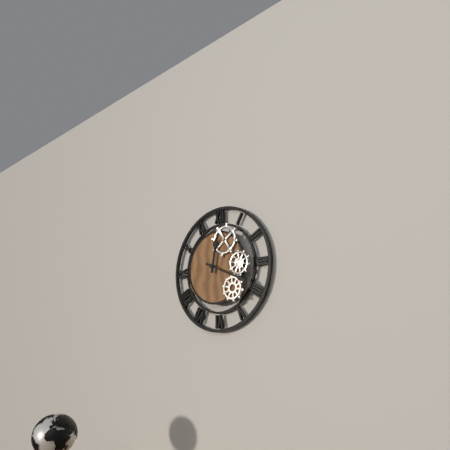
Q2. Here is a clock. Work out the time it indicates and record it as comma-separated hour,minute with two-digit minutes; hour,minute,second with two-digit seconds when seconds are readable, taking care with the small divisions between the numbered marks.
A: 12,19
